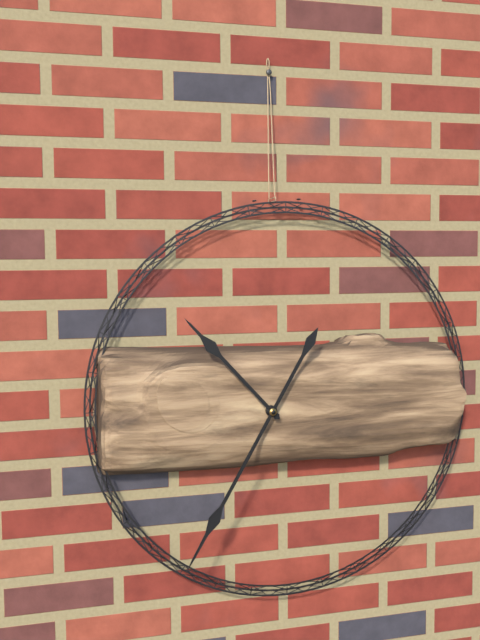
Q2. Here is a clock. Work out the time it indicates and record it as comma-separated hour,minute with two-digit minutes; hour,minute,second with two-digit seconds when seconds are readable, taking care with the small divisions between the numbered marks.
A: 10,35
